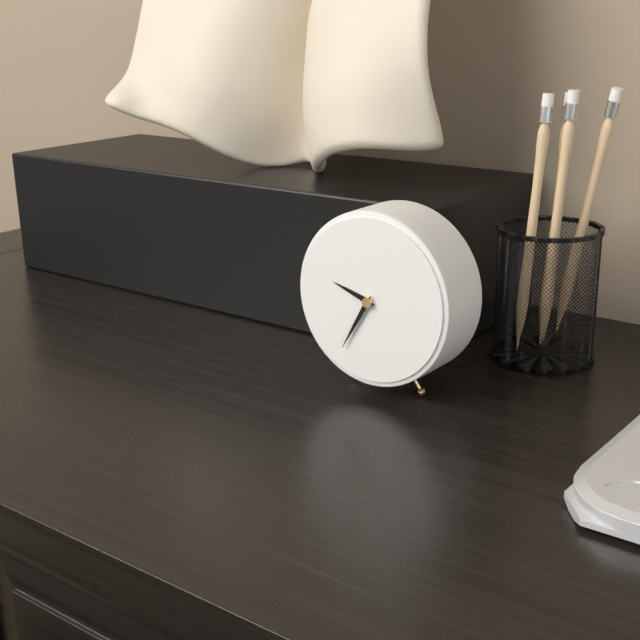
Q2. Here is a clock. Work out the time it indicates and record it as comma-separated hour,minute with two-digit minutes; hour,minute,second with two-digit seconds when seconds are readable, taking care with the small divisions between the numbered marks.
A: 9,35
